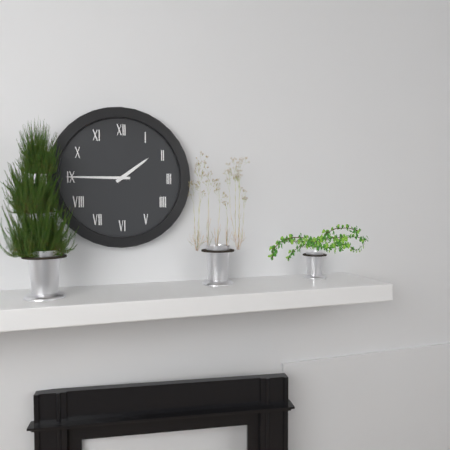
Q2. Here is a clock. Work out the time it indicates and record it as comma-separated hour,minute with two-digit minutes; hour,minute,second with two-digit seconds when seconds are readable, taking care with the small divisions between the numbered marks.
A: 1,45
